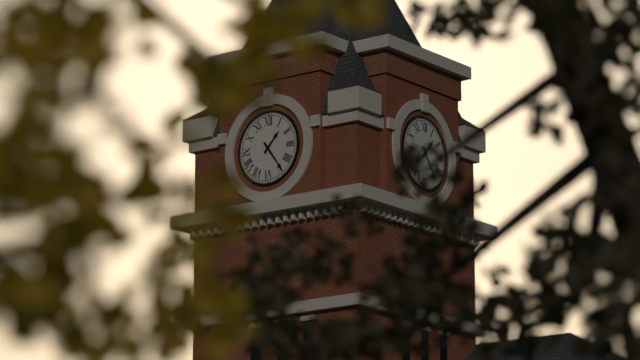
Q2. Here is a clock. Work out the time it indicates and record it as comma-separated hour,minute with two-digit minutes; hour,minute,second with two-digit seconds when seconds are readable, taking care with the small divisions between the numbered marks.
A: 1,24
